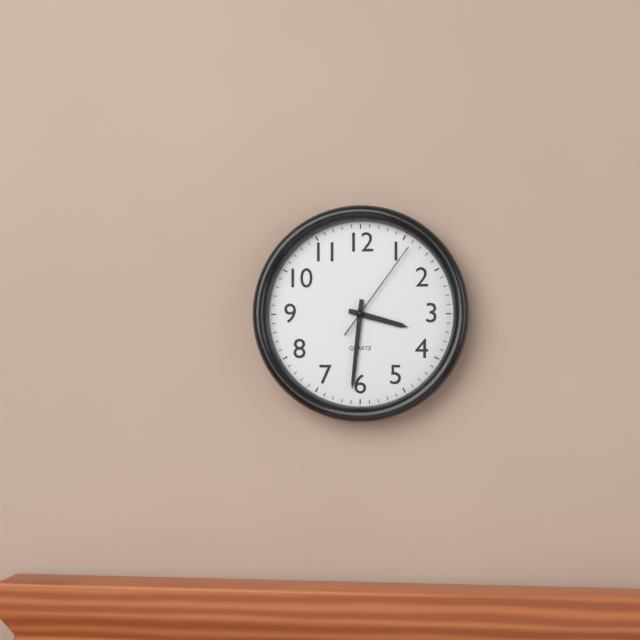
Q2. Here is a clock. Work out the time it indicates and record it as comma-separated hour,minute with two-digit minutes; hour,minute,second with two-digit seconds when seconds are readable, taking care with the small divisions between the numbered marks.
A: 3,31,06
